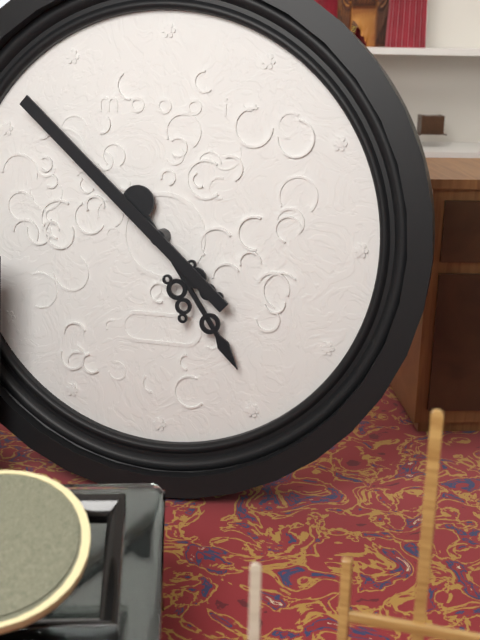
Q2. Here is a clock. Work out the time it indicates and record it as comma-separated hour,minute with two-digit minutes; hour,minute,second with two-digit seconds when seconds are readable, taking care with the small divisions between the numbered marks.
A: 4,52
